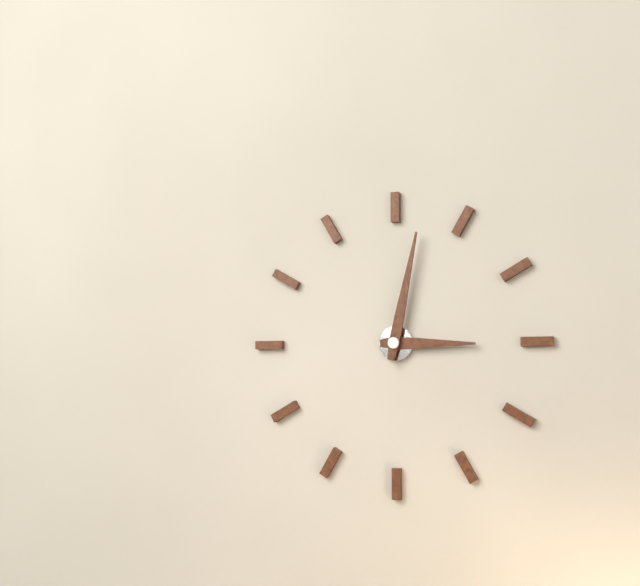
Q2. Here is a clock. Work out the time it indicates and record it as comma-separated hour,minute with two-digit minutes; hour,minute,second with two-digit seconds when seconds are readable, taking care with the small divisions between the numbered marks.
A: 3,02
